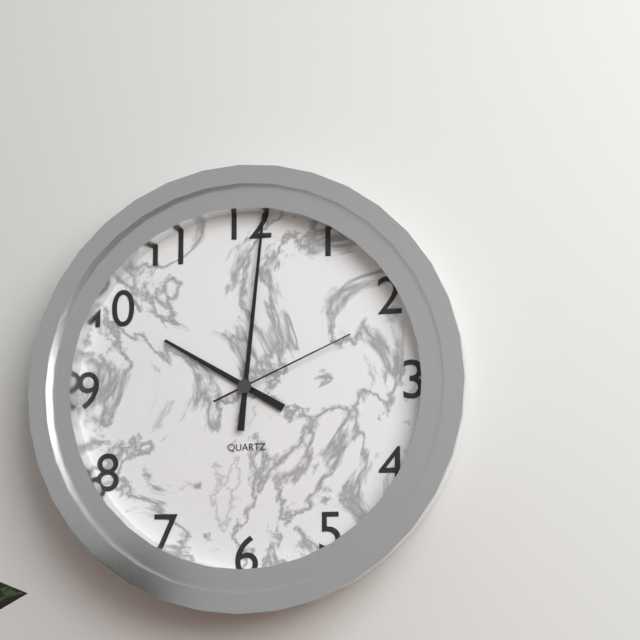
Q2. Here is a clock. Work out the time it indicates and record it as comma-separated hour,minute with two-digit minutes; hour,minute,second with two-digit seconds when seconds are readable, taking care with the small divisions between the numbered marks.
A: 10,01,11
